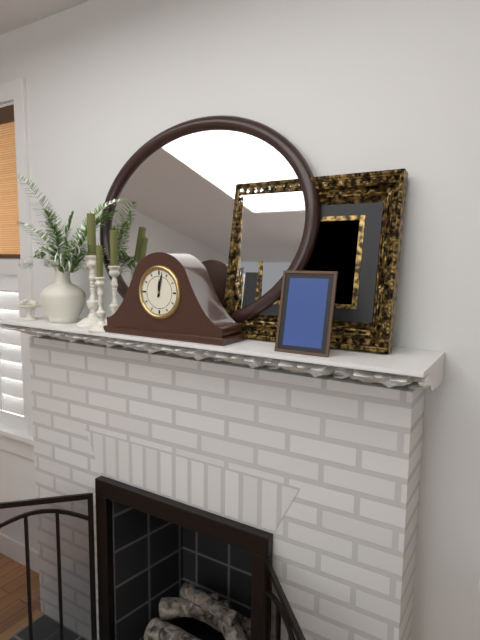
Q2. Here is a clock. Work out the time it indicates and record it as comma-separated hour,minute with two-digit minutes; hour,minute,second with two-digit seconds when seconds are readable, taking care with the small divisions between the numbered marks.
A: 12,02
